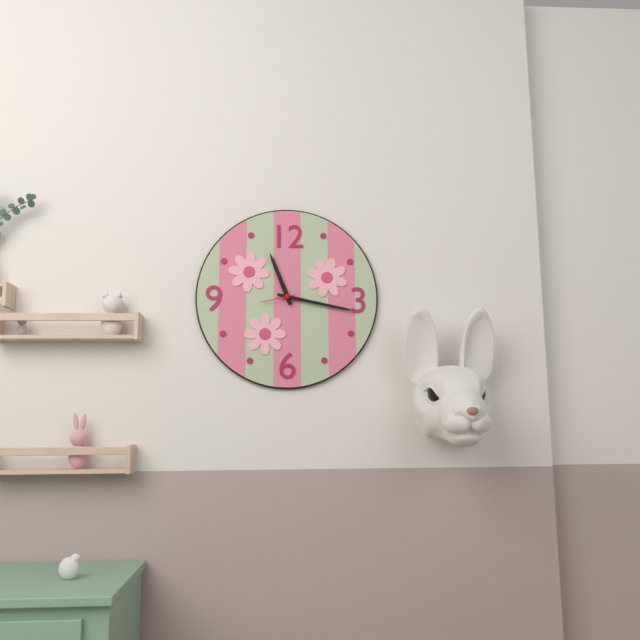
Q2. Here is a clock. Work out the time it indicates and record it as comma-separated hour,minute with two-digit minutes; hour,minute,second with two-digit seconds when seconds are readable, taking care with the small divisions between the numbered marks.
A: 11,17
